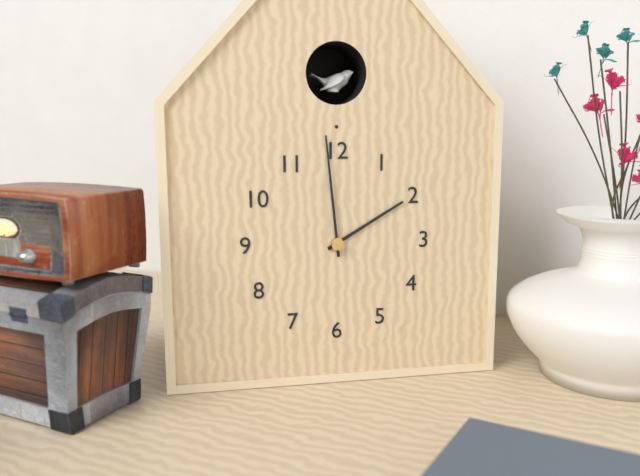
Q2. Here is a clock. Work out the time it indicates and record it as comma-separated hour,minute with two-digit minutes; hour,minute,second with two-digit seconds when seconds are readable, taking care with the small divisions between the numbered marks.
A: 1,59
